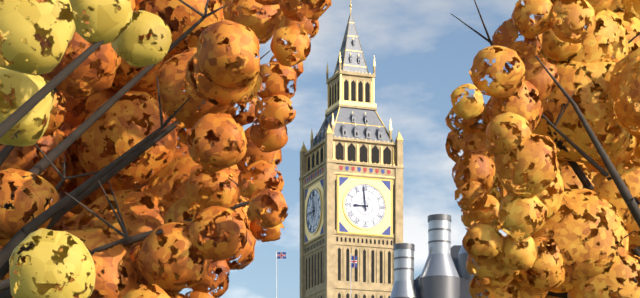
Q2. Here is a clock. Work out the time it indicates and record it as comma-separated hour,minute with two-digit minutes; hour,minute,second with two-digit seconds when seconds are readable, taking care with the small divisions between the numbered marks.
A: 8,59
